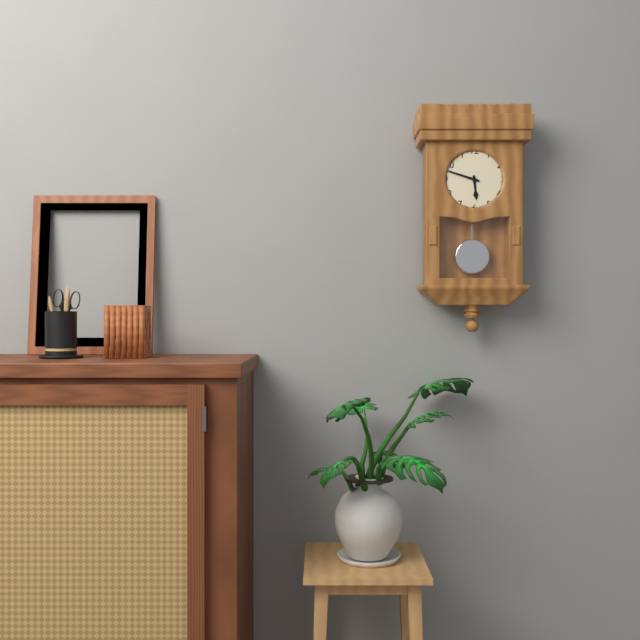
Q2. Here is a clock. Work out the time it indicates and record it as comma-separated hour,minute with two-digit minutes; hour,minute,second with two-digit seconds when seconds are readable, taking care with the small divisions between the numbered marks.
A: 5,48
